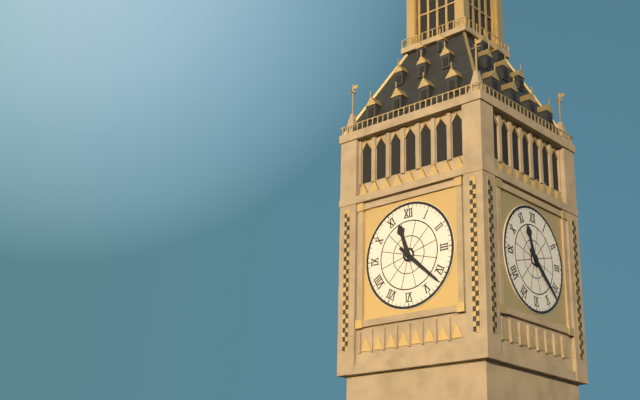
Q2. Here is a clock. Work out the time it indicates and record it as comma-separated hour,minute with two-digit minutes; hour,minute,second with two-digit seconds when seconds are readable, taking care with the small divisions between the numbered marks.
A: 11,22
